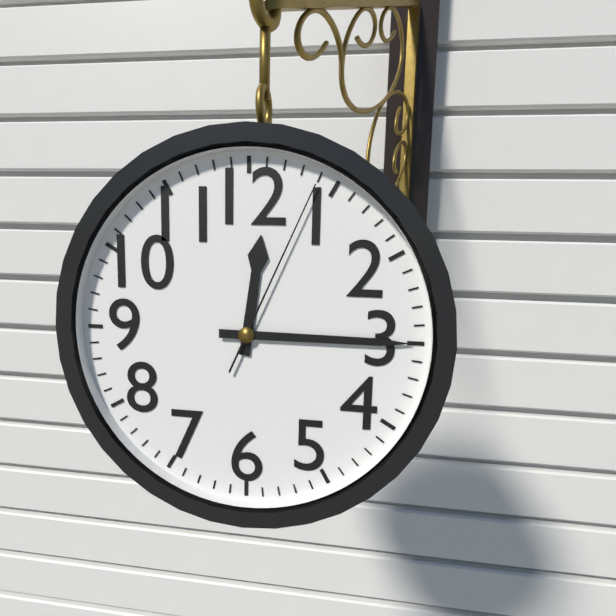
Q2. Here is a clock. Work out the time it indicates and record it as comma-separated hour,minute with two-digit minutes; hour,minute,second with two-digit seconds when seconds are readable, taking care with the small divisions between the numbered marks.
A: 12,15,04
